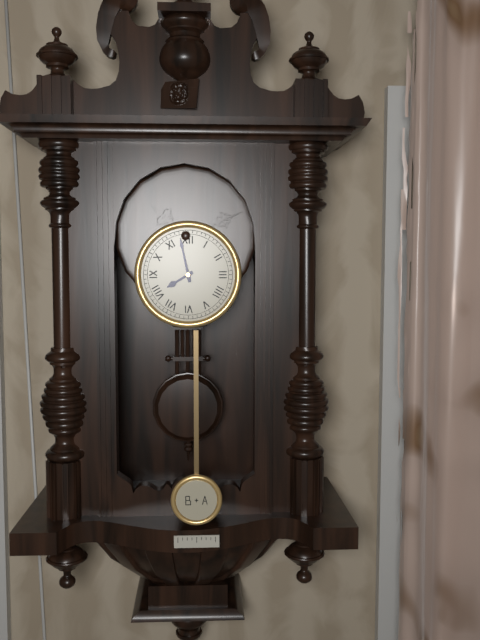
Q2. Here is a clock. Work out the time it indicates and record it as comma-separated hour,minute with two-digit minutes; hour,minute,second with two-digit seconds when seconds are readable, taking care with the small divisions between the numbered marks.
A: 7,58
